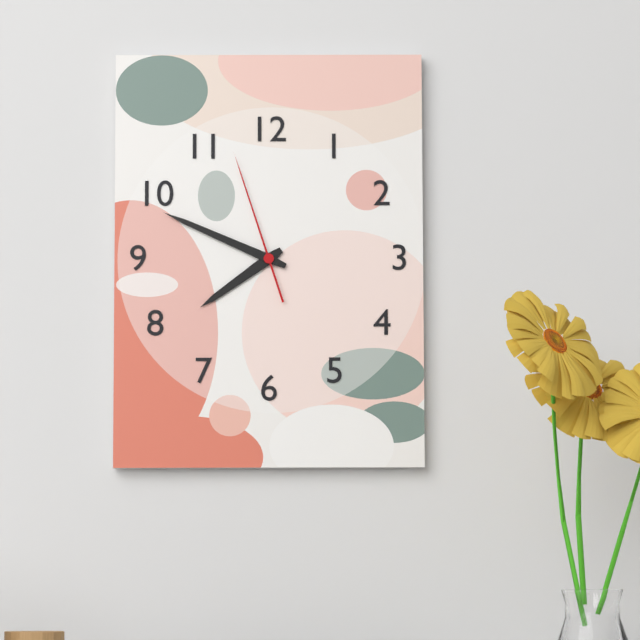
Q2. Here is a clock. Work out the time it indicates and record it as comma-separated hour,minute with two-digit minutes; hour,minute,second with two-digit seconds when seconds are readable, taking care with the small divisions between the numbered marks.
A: 7,49,57
